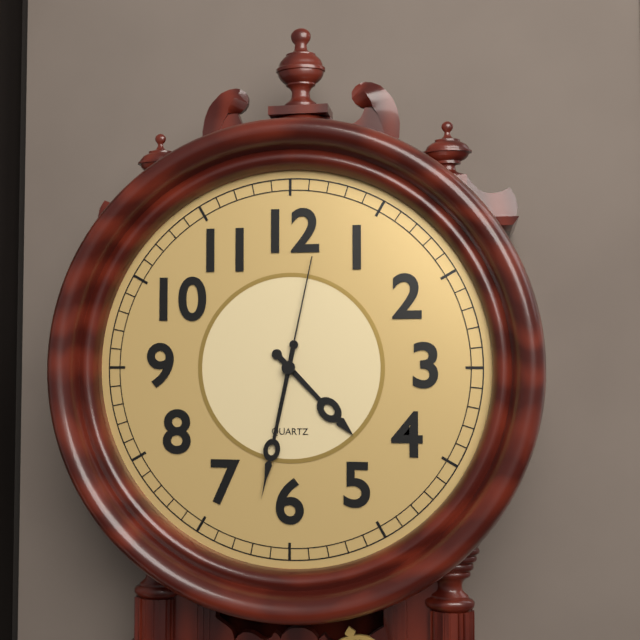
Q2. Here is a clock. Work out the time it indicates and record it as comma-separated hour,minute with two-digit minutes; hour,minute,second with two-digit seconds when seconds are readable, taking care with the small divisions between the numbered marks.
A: 4,32,02
